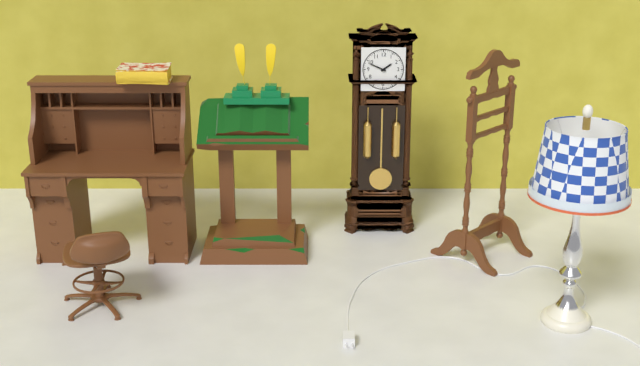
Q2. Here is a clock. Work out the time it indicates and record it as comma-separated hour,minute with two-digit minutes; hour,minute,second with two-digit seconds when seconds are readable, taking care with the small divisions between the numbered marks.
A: 1,49
